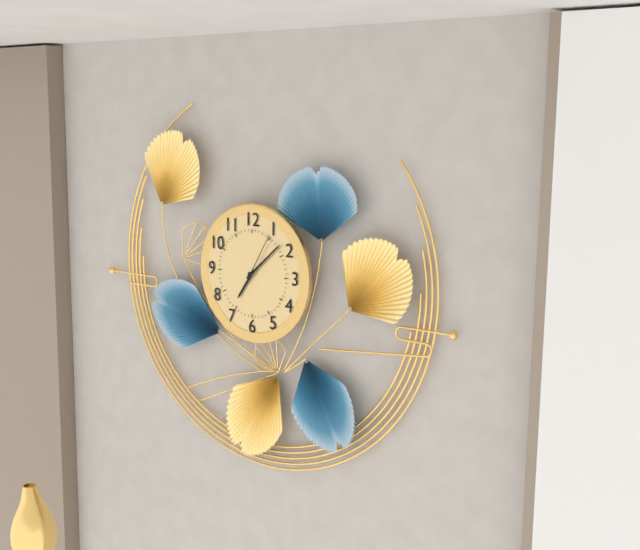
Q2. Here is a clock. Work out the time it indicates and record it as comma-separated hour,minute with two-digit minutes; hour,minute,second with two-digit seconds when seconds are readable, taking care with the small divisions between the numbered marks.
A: 7,08,05
